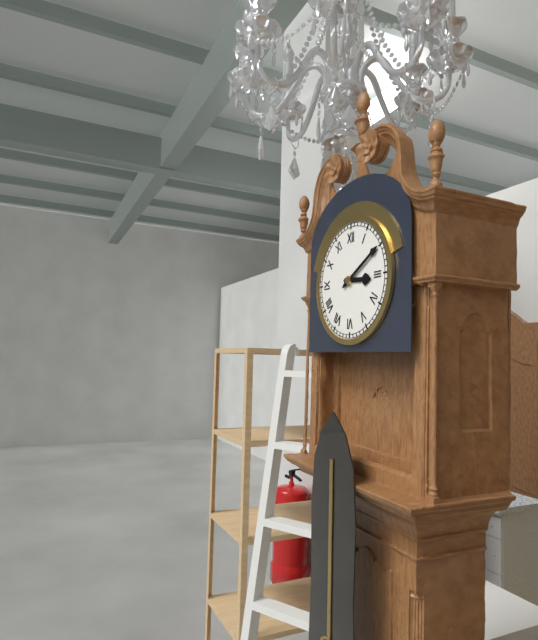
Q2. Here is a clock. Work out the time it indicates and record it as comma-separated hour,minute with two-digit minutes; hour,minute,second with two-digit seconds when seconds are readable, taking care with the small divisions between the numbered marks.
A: 3,10
